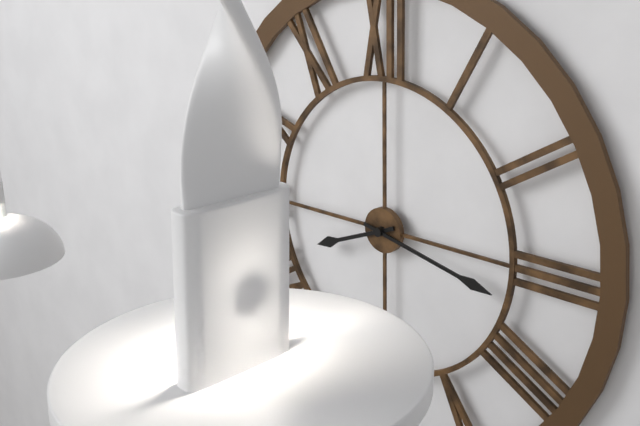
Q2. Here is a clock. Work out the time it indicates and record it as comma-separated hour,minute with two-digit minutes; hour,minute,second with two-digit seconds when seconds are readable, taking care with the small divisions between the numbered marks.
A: 8,17
